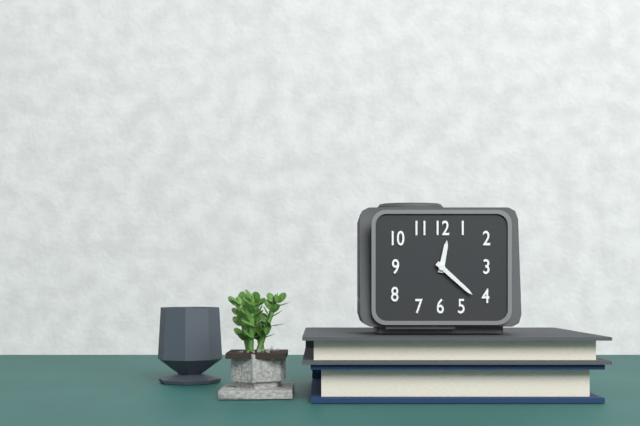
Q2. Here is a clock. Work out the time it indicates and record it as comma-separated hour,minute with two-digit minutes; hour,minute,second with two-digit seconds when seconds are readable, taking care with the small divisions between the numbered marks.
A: 12,22
